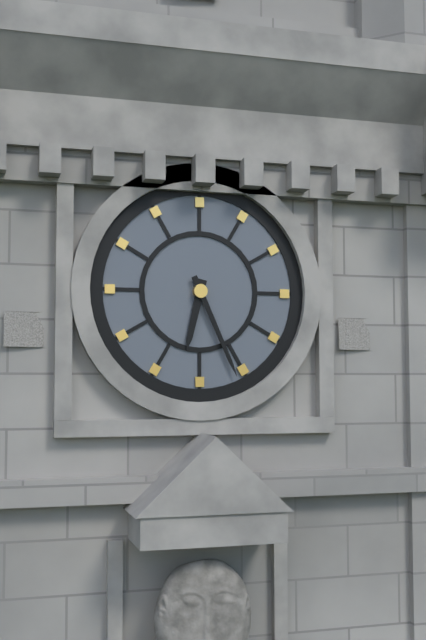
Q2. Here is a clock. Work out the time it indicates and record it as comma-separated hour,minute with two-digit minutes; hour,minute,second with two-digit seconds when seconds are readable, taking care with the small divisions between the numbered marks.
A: 6,26
